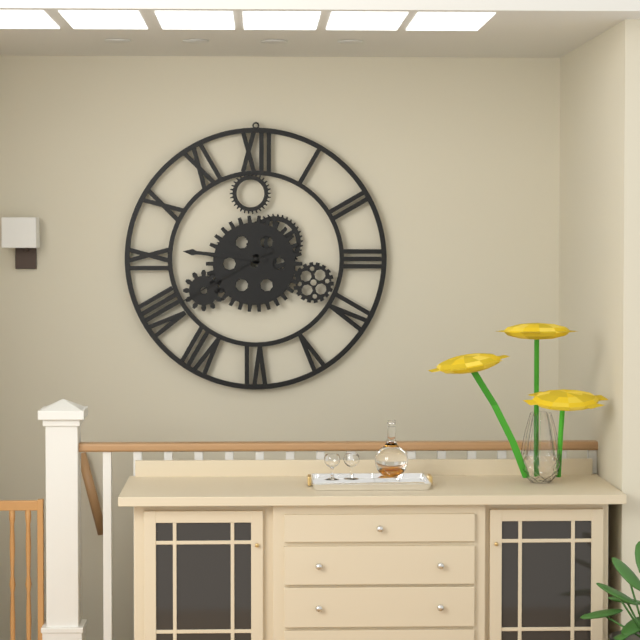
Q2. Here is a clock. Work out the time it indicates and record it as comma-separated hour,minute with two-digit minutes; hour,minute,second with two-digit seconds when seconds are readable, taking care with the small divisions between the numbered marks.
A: 9,46,40
